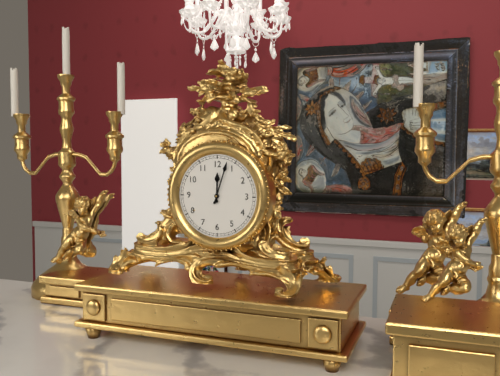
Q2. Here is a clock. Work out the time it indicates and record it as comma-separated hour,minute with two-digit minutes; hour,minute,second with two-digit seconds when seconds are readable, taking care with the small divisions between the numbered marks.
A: 12,03
